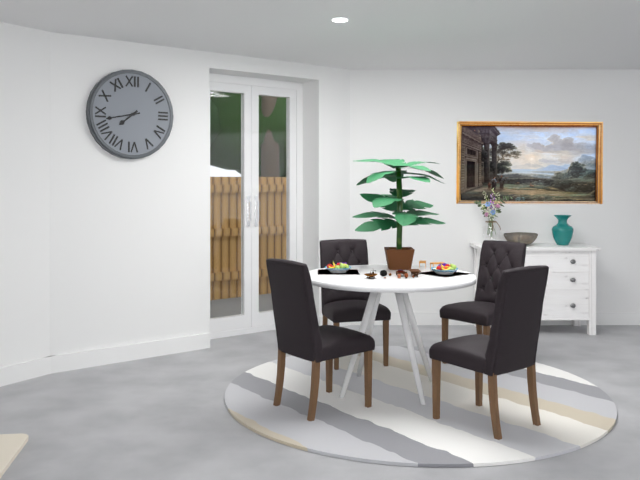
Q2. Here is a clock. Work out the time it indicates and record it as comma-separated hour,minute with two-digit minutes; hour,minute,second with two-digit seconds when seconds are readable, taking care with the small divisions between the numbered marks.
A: 7,43
